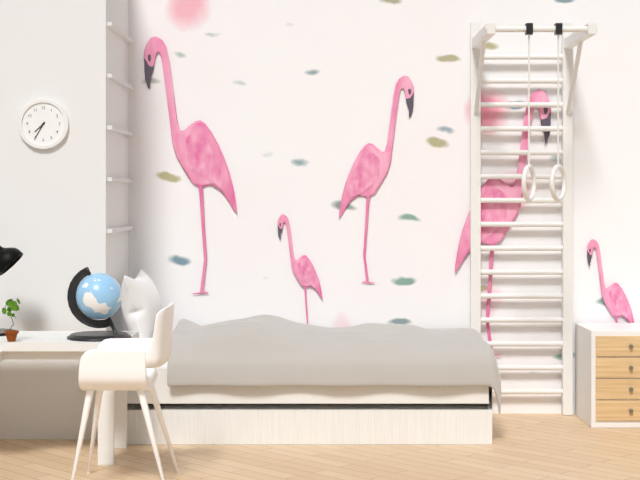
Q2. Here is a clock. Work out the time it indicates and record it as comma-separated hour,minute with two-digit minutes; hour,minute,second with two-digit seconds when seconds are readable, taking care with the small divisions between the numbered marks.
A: 7,35
